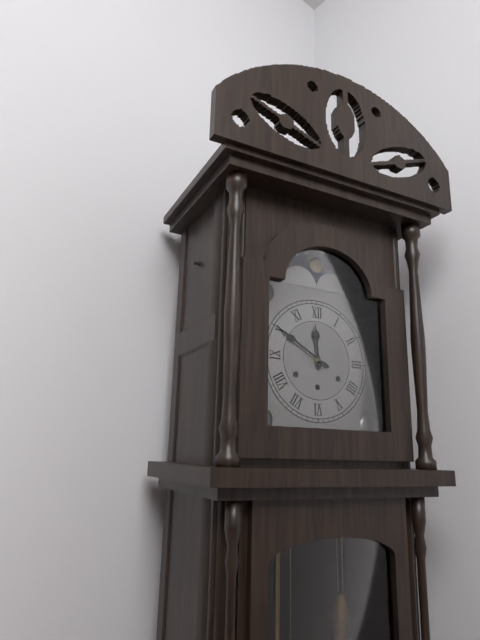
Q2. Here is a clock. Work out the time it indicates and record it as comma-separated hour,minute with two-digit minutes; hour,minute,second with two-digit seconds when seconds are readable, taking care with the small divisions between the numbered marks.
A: 11,50
